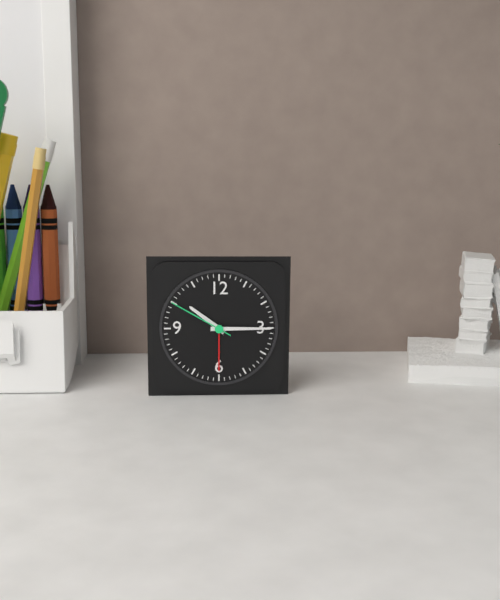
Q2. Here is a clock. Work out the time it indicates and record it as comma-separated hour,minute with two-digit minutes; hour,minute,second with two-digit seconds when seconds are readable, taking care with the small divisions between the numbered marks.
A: 10,15,50
